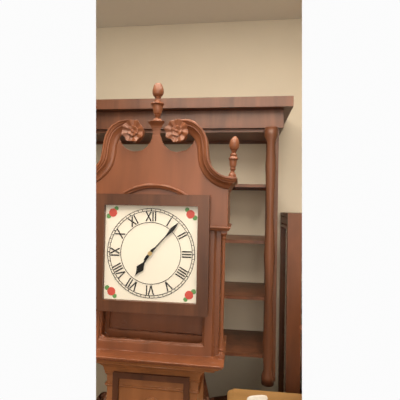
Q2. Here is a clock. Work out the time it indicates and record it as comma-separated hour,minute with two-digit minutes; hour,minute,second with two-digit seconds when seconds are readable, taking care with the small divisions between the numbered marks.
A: 7,07
